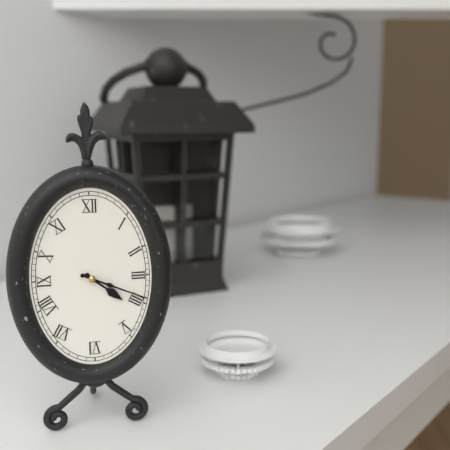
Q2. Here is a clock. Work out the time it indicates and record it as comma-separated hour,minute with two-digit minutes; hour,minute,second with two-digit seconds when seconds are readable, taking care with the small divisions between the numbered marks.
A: 4,19
